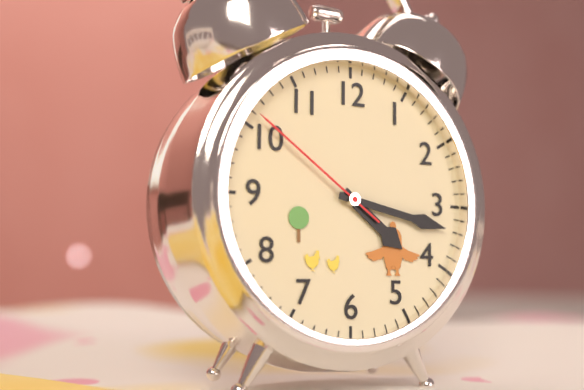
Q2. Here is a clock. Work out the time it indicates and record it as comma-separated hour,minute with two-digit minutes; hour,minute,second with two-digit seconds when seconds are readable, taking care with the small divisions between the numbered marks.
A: 4,17,51
